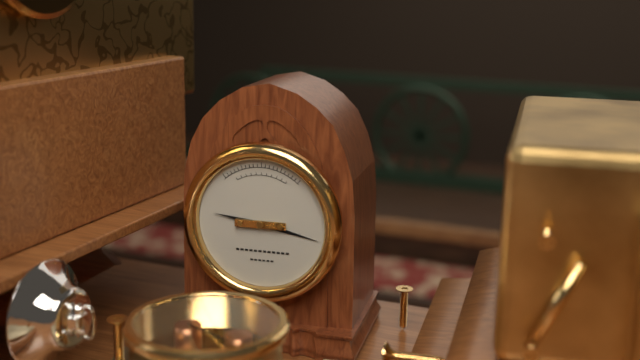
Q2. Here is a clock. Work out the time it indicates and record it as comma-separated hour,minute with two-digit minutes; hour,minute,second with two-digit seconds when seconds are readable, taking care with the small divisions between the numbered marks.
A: 9,17
